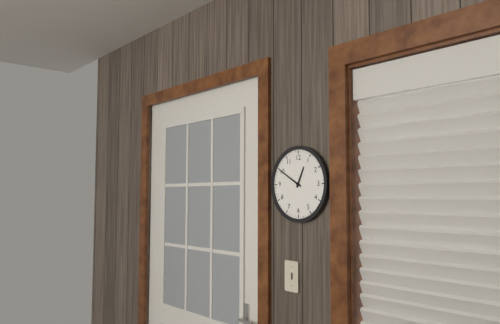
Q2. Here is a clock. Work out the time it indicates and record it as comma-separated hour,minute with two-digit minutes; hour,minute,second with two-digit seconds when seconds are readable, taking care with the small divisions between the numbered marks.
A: 12,50
